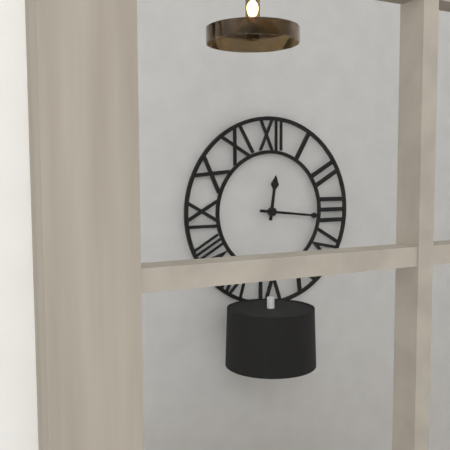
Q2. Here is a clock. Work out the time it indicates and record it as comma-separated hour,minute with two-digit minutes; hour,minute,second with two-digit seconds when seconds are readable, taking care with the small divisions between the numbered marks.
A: 12,16
